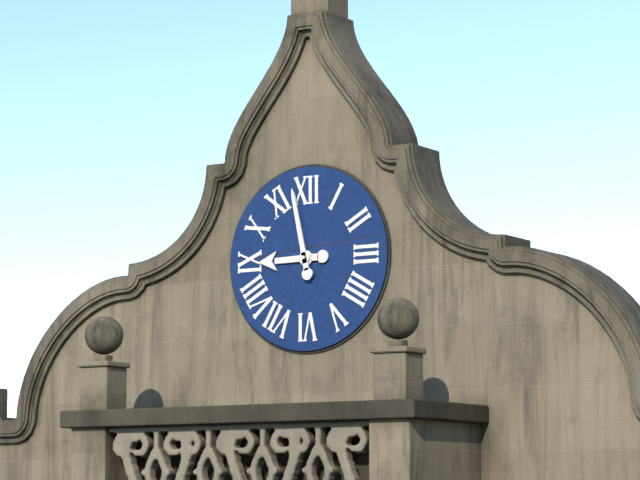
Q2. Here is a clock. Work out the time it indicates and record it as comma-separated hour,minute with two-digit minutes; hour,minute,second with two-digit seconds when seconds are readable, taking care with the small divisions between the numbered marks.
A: 8,58
